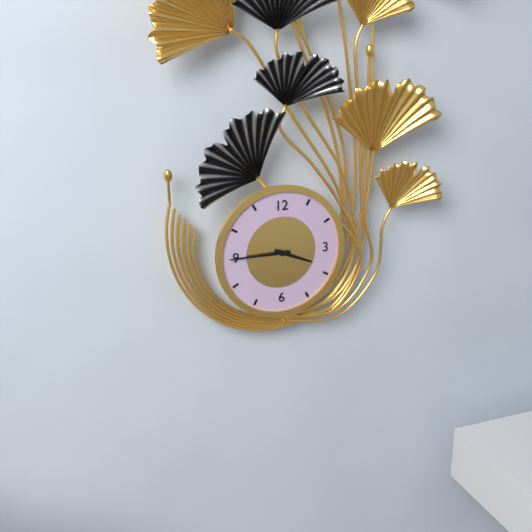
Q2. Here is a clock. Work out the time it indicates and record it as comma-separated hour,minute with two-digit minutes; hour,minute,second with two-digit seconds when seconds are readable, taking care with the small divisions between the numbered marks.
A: 3,45
